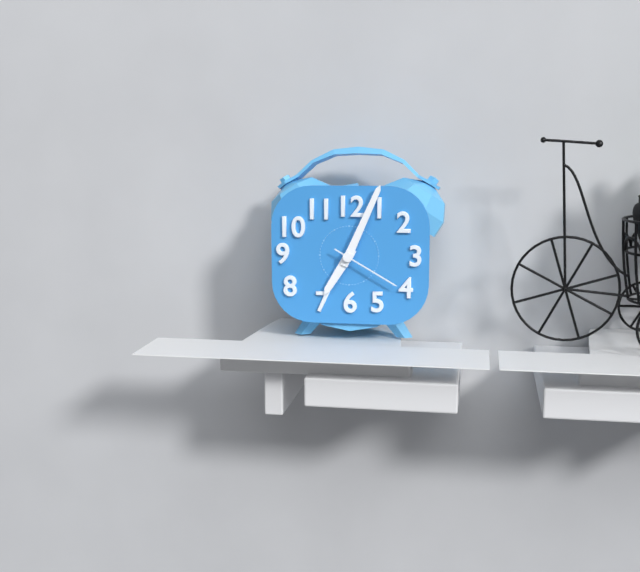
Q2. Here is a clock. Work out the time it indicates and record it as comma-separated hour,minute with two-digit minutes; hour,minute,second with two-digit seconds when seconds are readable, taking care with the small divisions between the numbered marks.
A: 7,04,20
